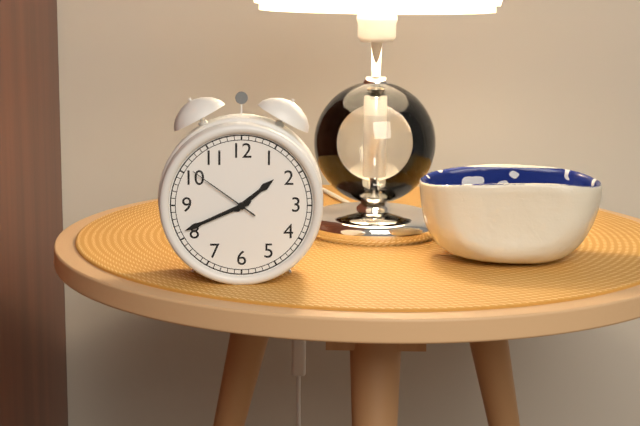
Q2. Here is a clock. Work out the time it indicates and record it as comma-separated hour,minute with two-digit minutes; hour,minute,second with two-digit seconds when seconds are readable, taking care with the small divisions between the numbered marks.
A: 1,41,51
